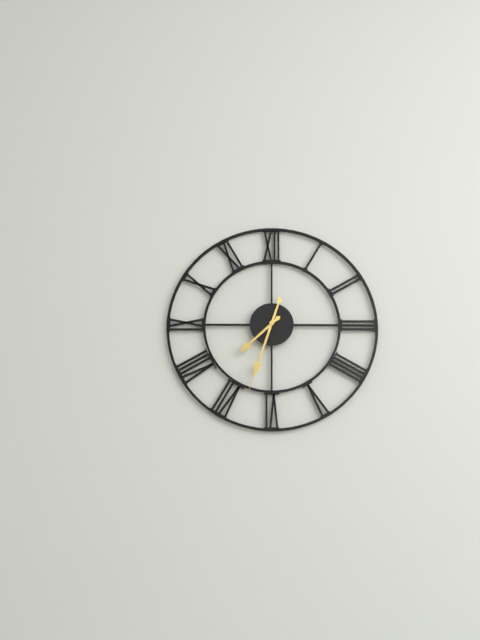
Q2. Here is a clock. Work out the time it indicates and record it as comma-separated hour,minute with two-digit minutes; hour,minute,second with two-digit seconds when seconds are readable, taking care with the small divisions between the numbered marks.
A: 7,33
